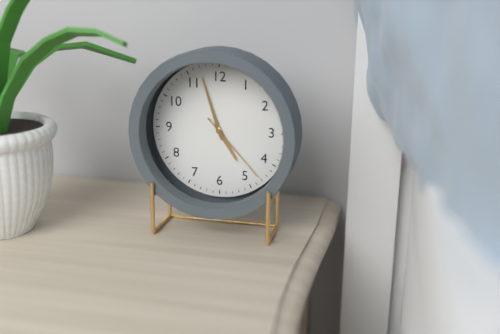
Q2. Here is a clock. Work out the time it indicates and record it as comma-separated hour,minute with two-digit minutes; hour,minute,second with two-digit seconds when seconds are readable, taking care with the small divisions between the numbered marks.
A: 4,57,23
